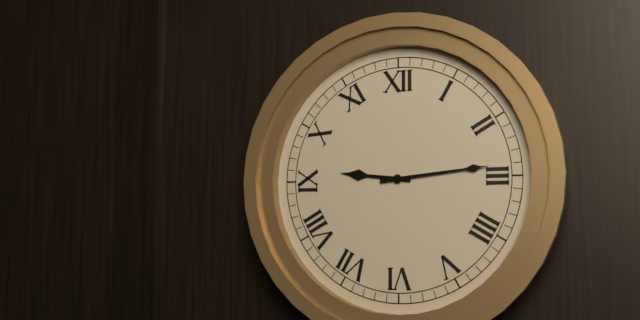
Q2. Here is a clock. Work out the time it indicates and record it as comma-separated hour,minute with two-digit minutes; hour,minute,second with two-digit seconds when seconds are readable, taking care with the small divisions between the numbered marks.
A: 9,14
